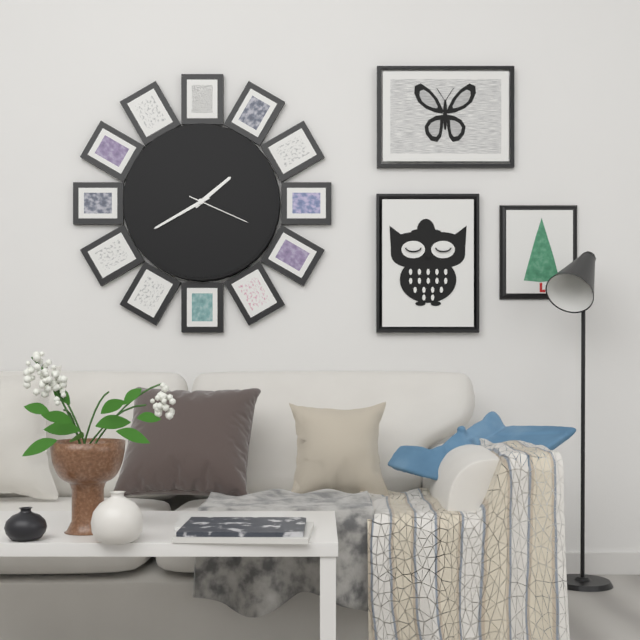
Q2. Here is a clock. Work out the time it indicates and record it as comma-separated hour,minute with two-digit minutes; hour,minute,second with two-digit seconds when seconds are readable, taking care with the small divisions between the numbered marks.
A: 1,40,19
